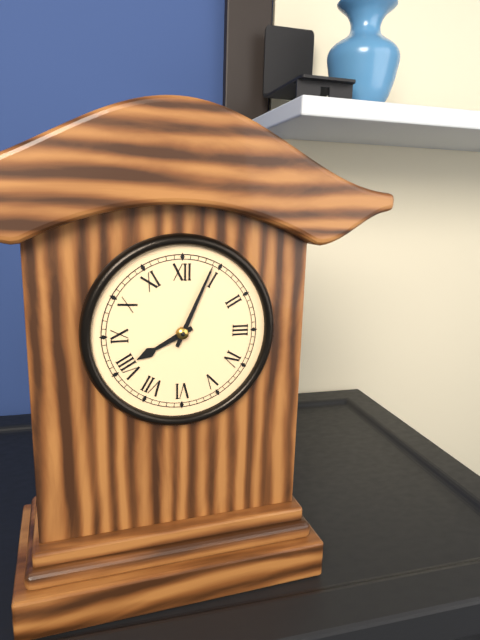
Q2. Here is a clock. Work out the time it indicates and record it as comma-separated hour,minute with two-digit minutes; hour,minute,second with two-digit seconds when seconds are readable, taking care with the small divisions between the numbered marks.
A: 8,04
